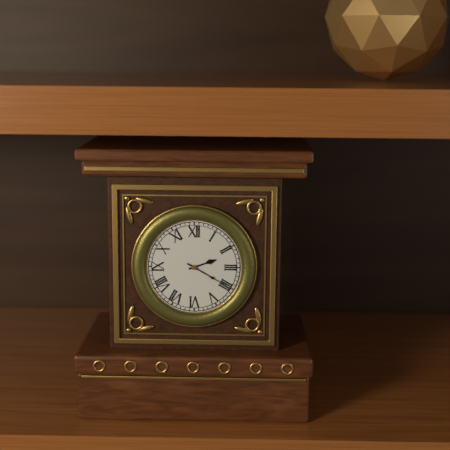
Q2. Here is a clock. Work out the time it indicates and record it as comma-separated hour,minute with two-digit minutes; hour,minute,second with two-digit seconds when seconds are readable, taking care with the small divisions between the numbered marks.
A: 2,20
